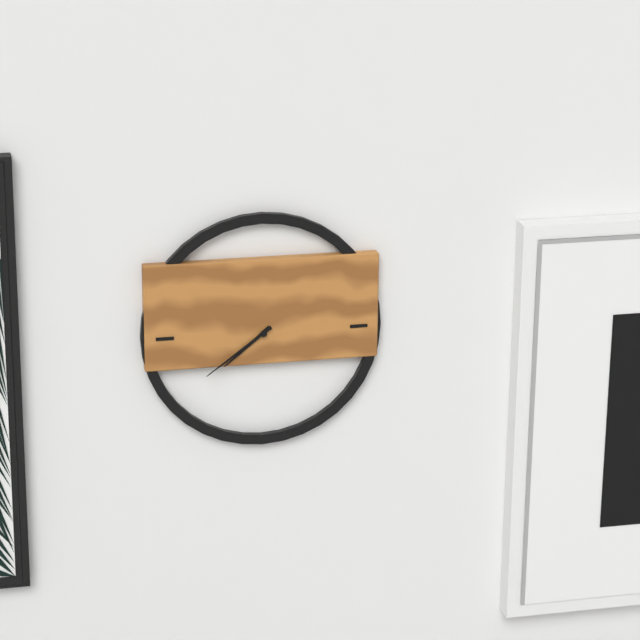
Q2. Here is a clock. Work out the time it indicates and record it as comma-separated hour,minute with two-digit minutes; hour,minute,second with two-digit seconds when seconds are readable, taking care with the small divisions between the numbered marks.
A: 7,39
